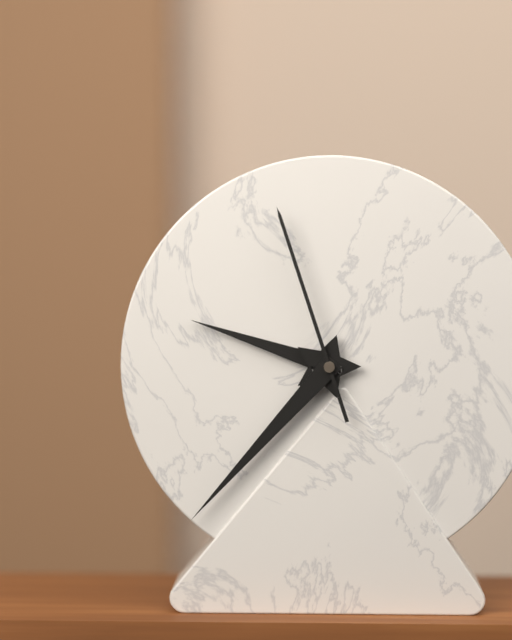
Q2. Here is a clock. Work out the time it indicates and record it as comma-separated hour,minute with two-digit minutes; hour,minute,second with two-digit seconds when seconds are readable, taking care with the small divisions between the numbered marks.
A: 9,37,57
